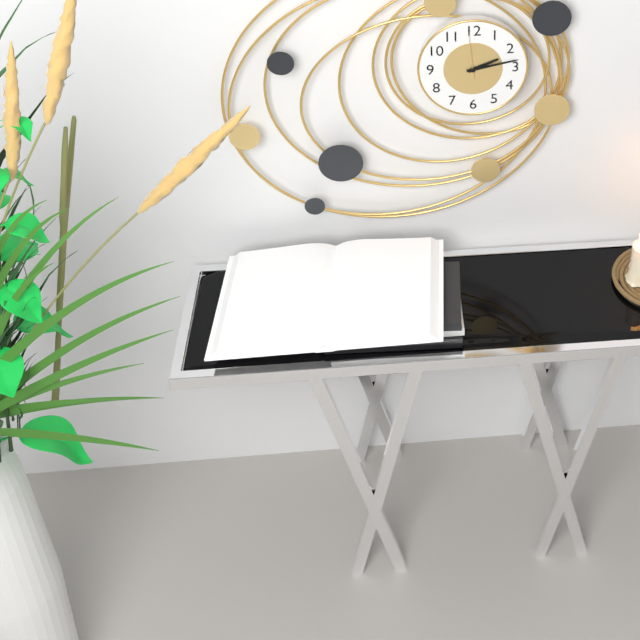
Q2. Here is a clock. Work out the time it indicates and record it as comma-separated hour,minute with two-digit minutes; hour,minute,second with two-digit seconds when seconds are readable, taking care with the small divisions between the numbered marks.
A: 2,13
